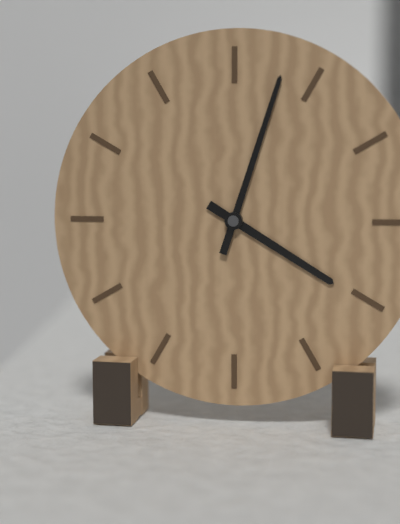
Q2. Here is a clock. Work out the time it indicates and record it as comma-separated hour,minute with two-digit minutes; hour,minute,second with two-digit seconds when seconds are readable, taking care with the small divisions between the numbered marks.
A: 4,03
